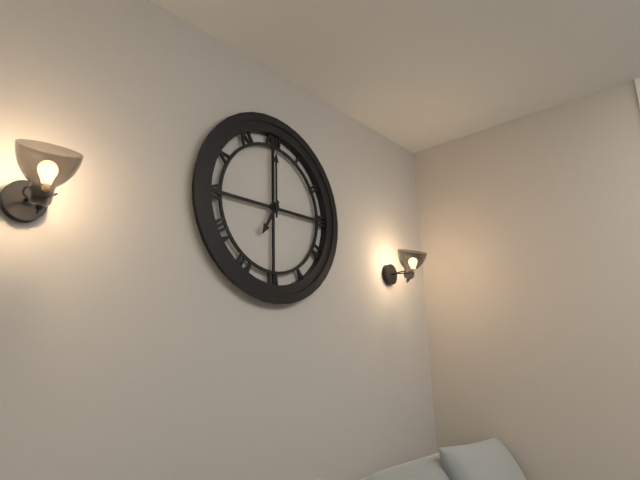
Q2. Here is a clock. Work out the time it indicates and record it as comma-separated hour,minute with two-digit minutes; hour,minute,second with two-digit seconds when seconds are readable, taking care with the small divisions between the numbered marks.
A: 7,00
